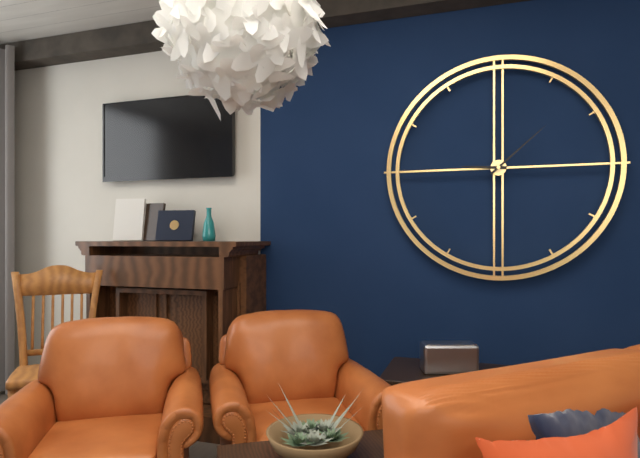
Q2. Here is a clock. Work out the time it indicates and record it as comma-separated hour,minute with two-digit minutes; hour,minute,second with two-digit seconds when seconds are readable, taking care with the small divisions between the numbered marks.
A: 9,08
